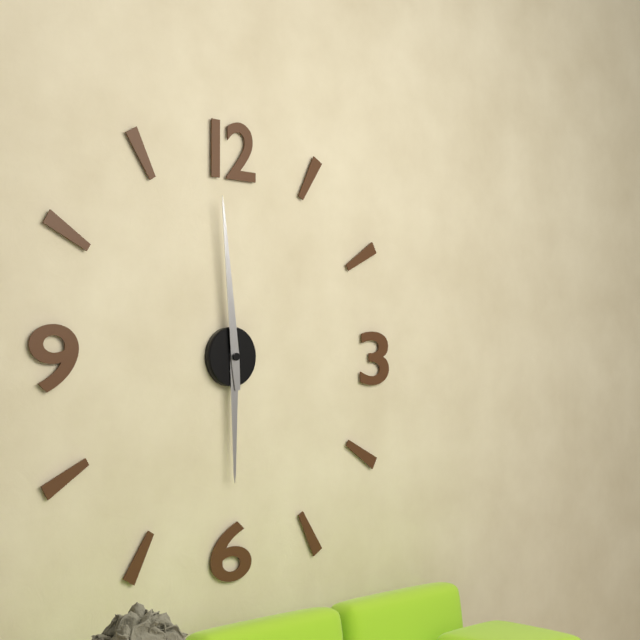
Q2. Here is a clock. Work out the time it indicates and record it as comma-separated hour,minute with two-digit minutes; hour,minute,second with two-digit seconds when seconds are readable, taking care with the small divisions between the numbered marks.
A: 5,59
